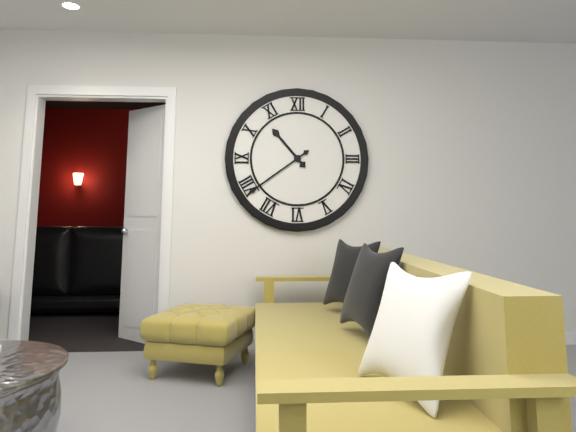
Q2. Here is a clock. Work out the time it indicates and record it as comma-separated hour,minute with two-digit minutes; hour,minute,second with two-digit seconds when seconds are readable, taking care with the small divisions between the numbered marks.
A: 10,39
